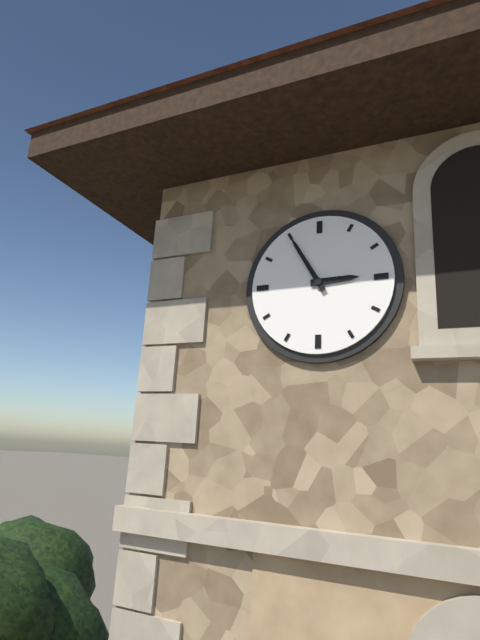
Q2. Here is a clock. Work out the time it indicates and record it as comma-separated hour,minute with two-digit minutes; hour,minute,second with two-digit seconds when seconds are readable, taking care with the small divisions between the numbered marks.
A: 2,55
